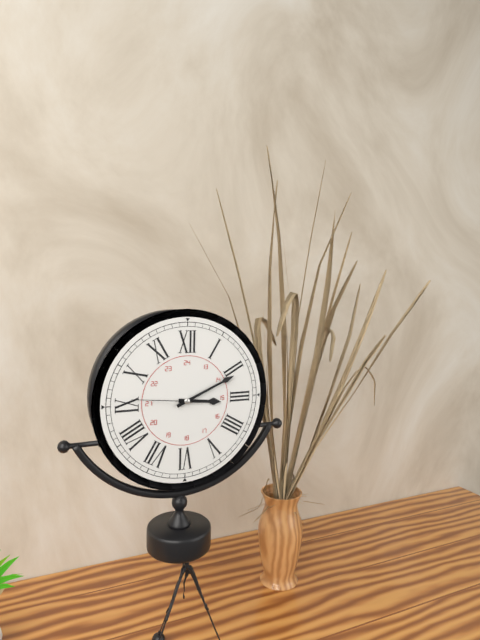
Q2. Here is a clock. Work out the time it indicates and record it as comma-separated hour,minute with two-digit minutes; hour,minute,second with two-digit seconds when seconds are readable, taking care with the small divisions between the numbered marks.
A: 3,11,46
